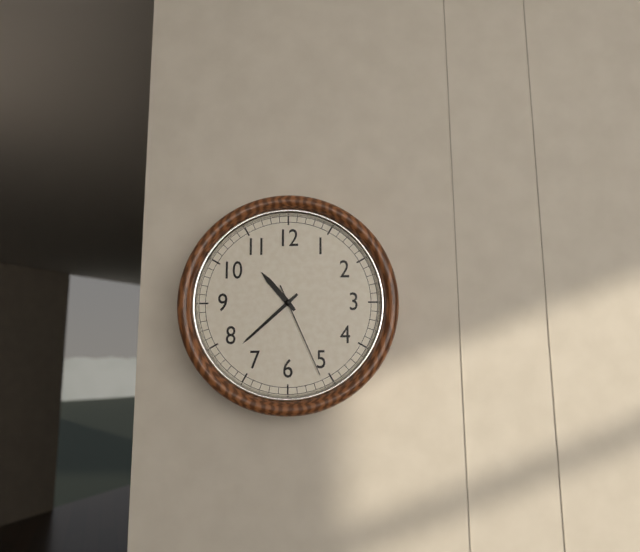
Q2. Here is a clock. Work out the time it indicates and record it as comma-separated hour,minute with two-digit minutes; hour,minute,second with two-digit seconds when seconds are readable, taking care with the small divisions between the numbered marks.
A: 10,38,26
